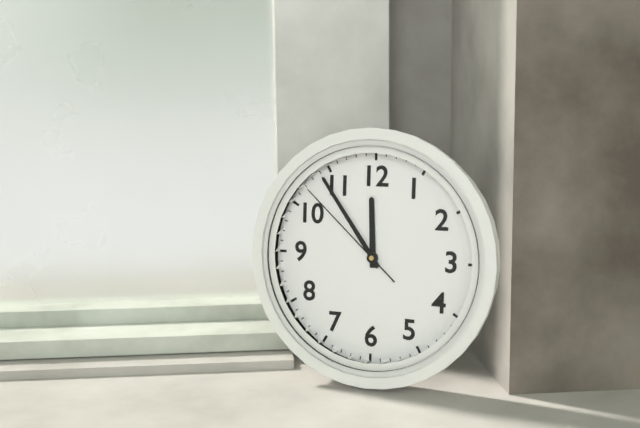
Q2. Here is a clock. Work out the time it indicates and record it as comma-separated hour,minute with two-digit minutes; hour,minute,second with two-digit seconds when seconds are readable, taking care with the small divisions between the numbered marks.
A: 11,54,52
